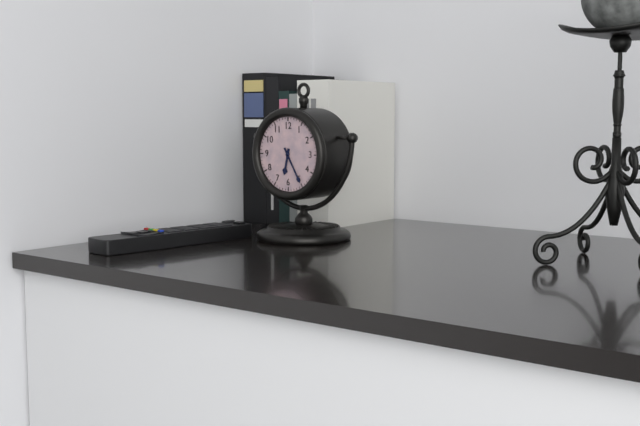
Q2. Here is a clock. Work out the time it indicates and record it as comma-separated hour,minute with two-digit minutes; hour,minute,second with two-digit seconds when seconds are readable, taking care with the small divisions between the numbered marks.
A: 6,25
